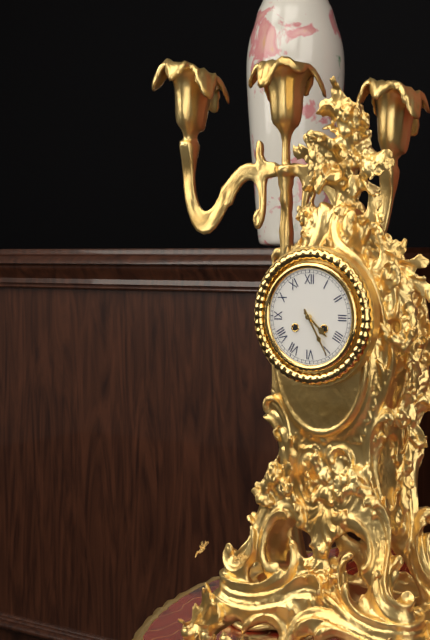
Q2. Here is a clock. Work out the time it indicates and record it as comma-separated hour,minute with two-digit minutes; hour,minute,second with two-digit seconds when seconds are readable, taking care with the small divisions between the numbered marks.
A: 4,25
